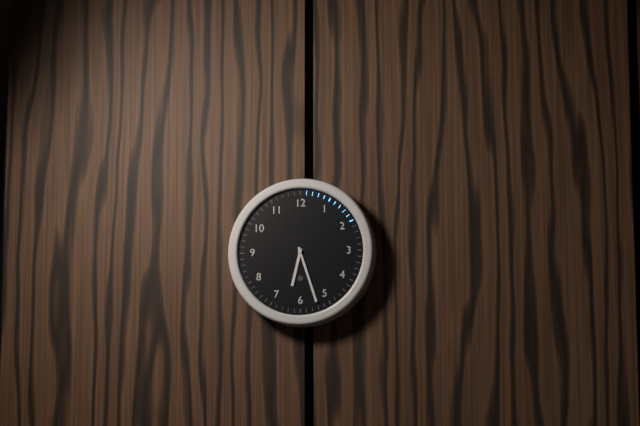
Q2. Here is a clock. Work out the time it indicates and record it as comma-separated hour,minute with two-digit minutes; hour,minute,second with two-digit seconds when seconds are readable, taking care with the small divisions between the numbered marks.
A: 6,27
